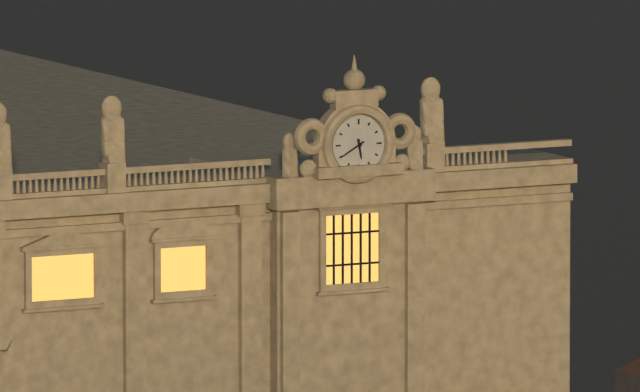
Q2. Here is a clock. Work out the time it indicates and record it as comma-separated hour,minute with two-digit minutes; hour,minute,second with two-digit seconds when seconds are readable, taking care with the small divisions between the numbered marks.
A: 5,40
